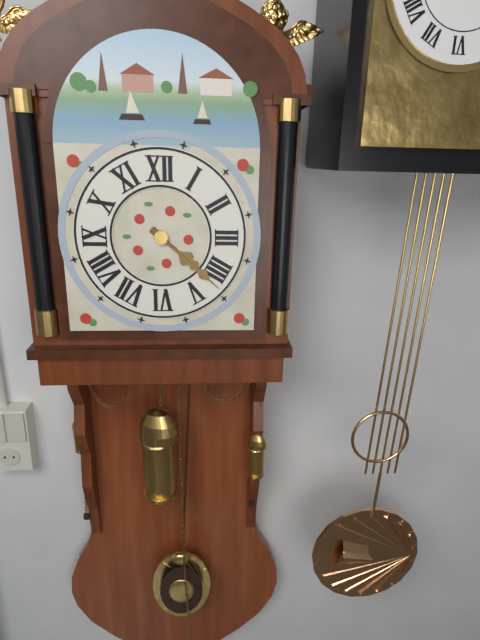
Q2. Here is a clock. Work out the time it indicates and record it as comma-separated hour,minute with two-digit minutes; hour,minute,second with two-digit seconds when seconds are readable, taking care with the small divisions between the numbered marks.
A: 4,22
